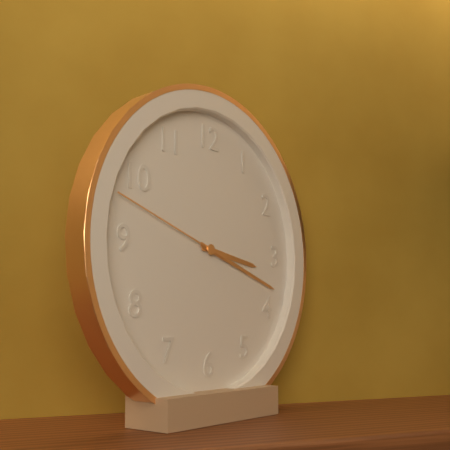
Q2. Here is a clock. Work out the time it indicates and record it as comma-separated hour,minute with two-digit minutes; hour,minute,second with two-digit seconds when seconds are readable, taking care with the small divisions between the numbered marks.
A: 3,18,48
